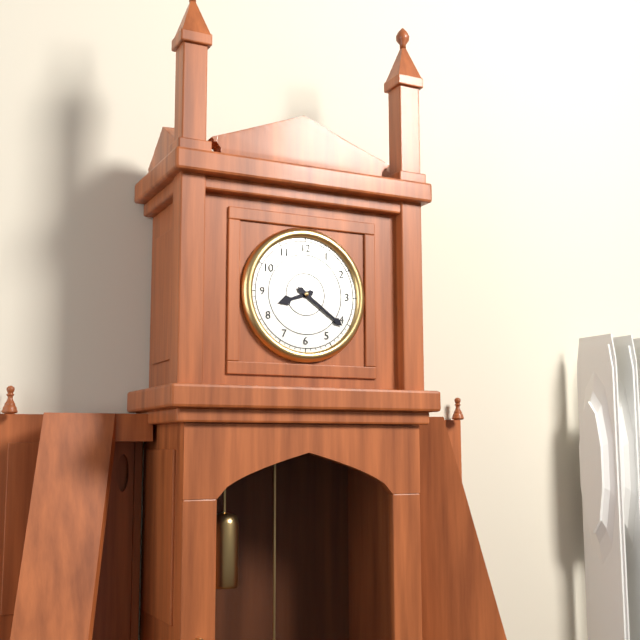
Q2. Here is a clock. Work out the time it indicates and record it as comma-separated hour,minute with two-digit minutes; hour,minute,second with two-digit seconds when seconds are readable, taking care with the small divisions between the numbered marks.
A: 8,21
